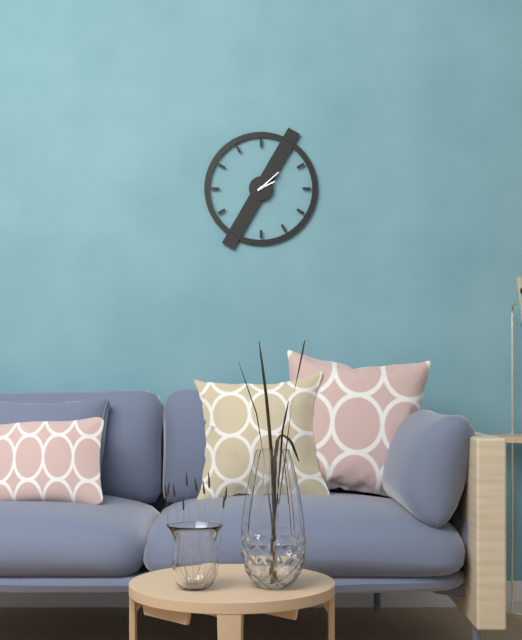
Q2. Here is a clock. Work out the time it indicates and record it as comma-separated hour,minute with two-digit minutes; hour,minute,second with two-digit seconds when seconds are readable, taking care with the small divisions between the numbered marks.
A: 2,08
